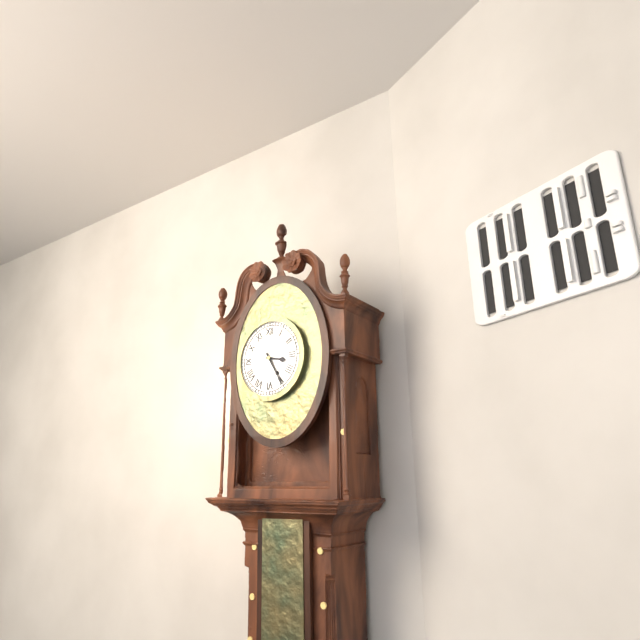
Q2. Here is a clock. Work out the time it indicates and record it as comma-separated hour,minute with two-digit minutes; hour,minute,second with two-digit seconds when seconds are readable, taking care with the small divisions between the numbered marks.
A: 3,25
